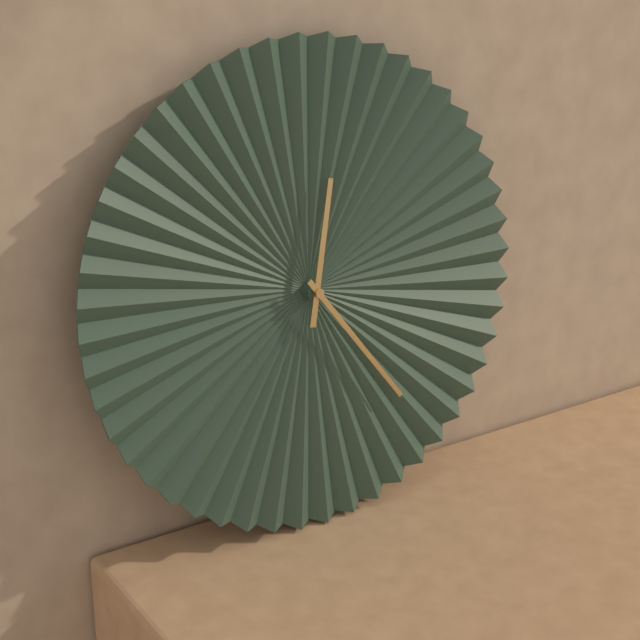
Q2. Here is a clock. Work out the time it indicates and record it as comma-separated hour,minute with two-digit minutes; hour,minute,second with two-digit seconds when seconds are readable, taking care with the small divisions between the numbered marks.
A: 12,24
